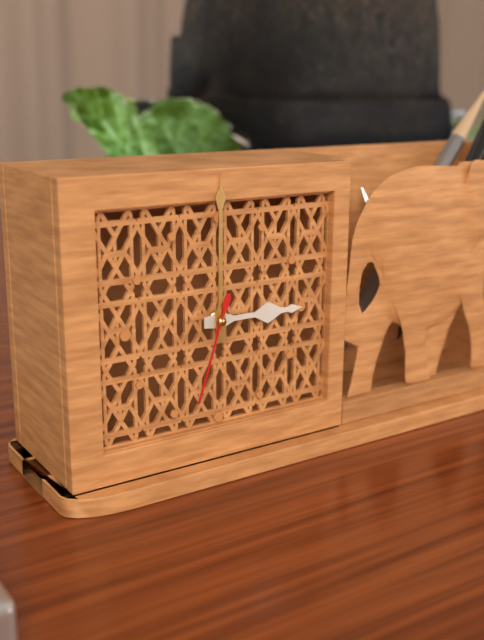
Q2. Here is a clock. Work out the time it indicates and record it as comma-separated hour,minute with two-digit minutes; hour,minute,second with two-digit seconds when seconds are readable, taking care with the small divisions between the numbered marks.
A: 3,00,33
